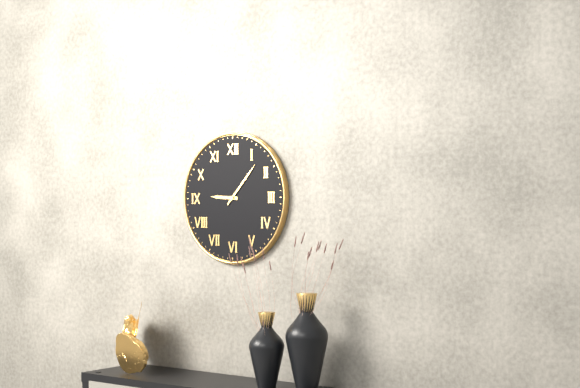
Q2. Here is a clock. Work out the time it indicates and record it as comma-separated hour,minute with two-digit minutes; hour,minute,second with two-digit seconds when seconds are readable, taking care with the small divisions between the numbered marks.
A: 9,07
